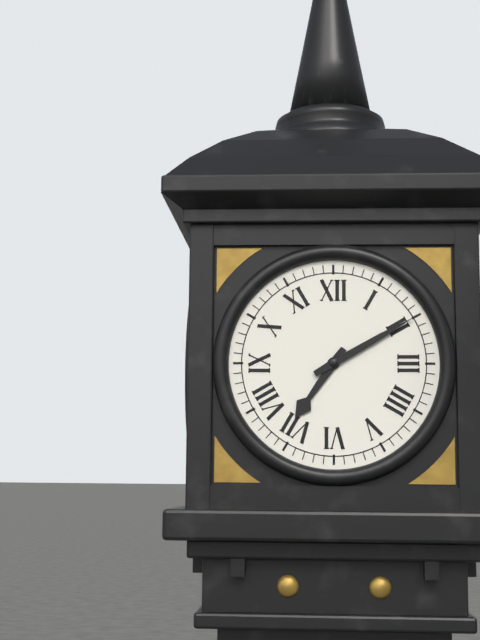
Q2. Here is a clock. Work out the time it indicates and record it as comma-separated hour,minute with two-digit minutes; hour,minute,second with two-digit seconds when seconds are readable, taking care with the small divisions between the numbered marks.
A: 7,10
